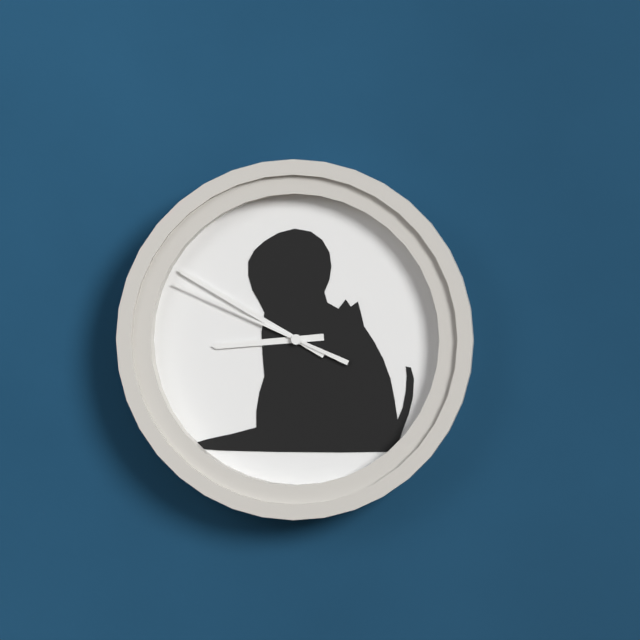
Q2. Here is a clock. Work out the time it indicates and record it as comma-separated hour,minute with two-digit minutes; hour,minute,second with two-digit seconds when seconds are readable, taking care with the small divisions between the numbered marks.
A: 8,50,49
